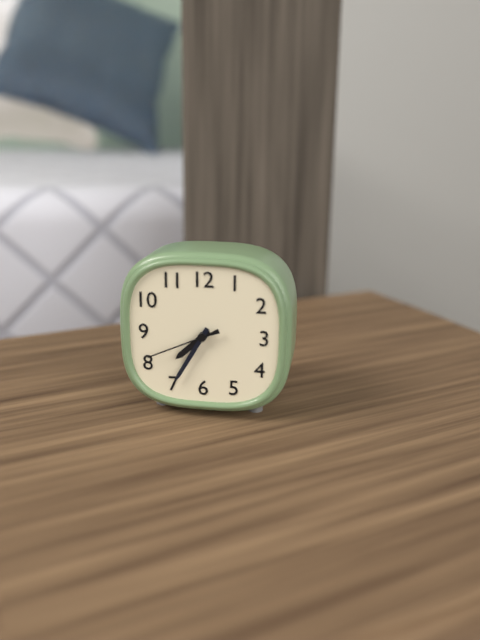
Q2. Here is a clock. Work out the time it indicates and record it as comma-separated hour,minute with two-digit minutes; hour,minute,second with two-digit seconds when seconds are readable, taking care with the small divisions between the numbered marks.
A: 7,35,41
